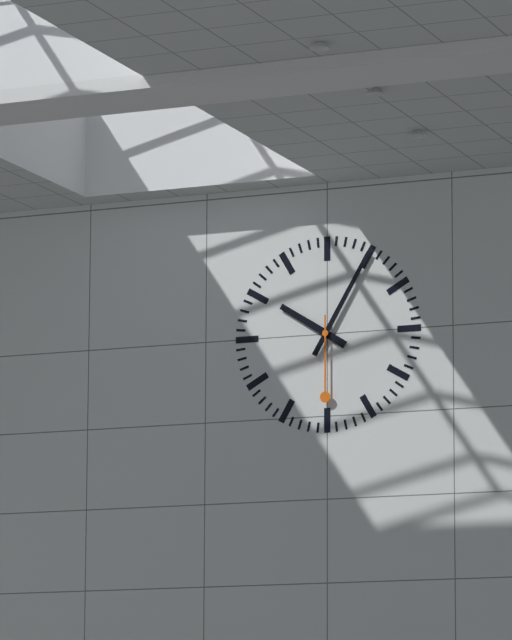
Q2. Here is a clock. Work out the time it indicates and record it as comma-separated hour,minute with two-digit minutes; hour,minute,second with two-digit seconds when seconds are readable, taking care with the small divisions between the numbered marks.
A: 10,05,30
